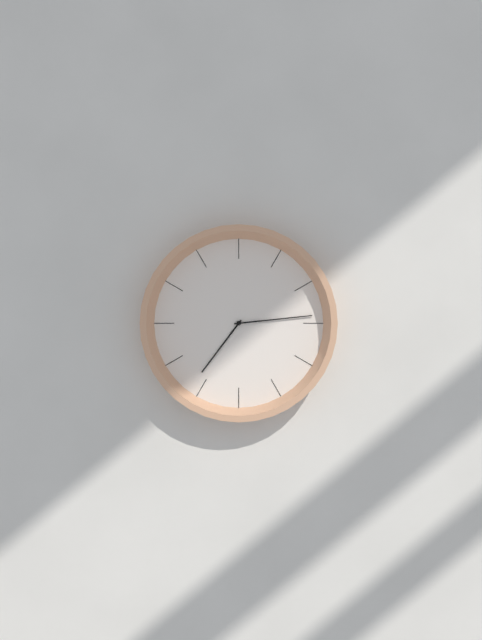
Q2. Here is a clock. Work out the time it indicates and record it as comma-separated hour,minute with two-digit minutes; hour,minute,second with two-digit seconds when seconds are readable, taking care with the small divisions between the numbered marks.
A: 7,14
